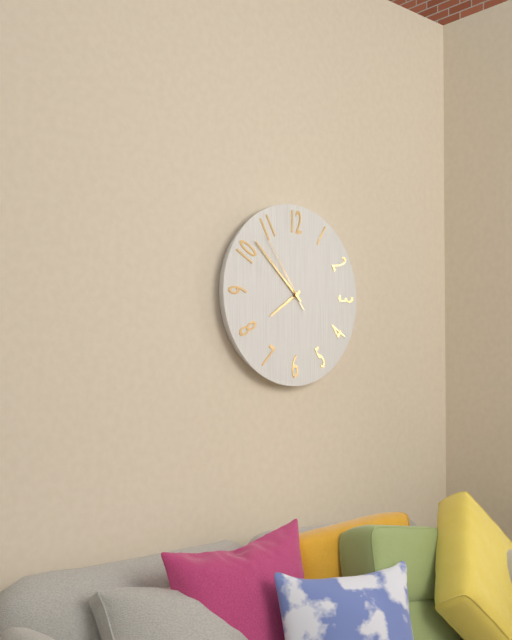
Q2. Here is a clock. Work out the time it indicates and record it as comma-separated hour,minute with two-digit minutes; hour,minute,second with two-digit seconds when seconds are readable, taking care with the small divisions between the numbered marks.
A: 7,52,54
